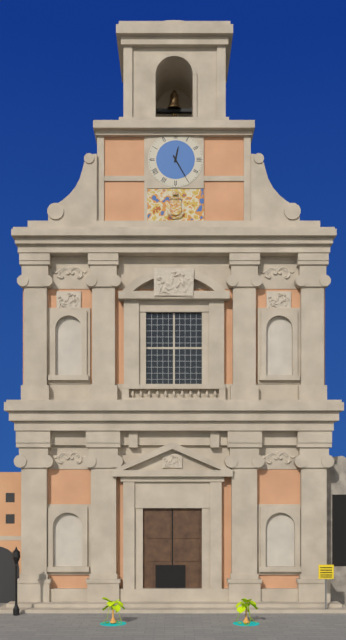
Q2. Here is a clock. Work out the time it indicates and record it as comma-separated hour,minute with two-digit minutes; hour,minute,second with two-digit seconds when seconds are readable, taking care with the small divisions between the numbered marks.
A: 12,25
